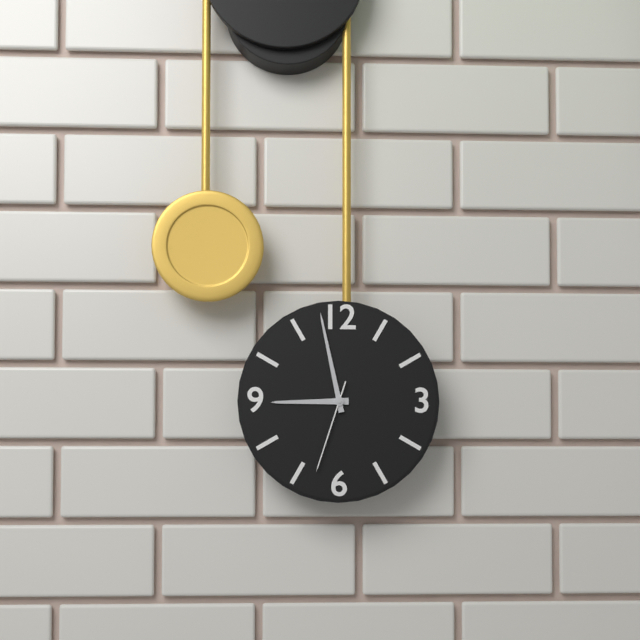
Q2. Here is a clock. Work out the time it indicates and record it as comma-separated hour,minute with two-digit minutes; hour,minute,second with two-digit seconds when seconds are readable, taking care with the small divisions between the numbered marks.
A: 8,58,33
